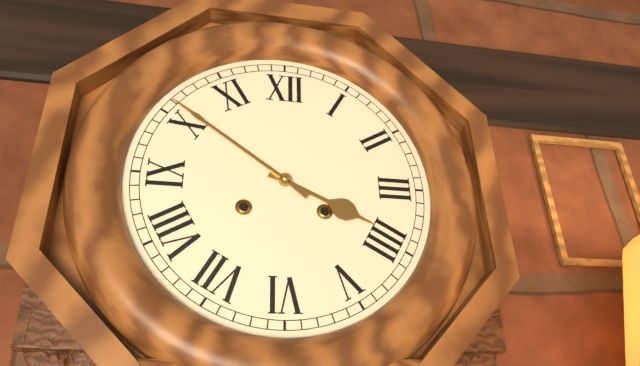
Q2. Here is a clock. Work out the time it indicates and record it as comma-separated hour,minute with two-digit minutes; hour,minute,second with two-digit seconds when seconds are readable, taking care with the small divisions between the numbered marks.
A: 3,51
